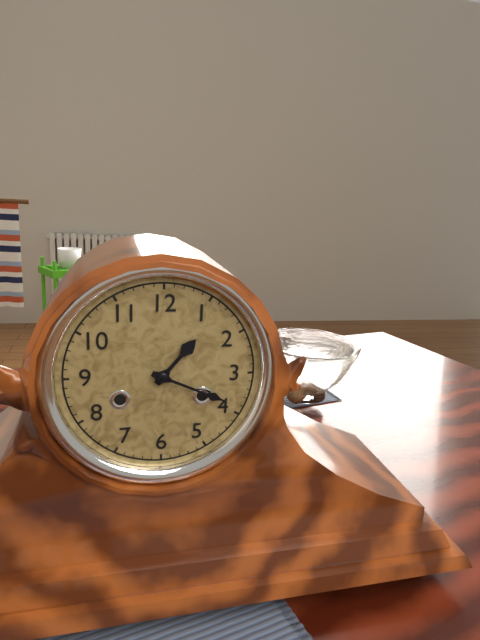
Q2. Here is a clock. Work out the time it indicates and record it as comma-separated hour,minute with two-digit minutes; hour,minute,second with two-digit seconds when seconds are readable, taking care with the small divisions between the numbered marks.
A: 1,19
